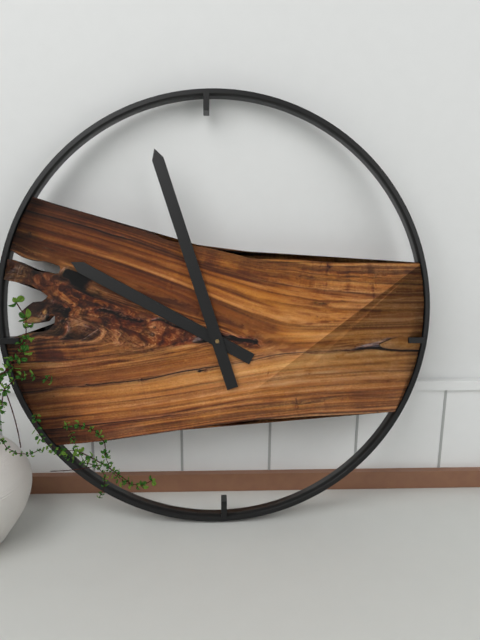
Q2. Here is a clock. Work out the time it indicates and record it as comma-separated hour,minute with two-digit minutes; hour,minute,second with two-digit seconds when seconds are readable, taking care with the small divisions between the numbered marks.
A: 9,57
